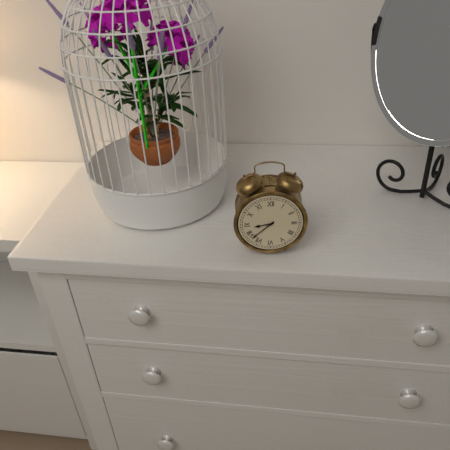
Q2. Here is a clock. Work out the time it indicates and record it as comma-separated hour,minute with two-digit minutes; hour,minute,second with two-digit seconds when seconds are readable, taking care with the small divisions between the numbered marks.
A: 8,38
